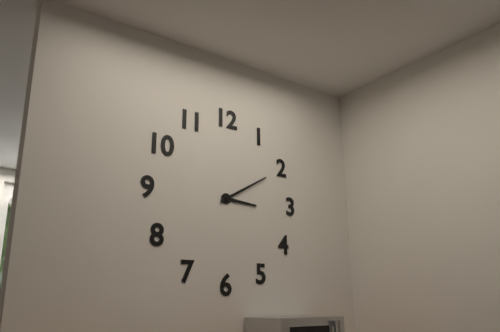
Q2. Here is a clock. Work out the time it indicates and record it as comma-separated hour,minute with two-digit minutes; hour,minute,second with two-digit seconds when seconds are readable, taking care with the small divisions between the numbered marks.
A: 3,10
